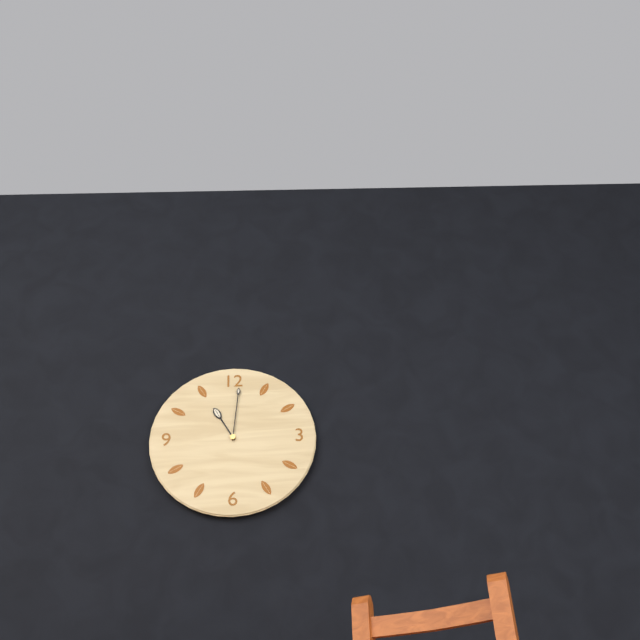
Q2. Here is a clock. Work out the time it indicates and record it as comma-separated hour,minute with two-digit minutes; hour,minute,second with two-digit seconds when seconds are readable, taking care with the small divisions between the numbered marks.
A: 11,01
